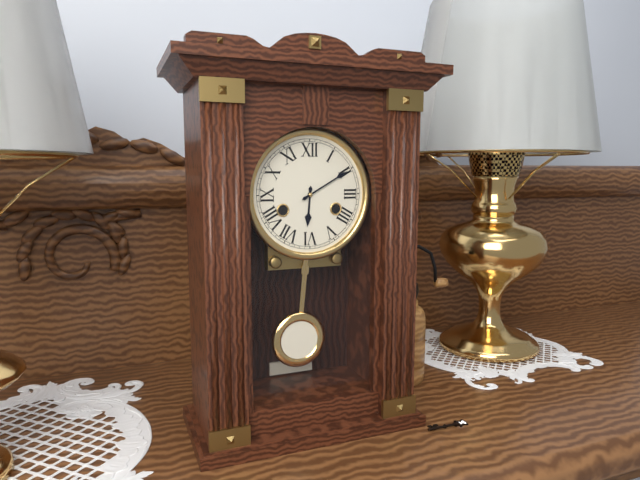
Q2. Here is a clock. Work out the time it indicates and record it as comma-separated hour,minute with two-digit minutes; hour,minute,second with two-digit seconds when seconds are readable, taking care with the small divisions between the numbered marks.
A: 6,10
